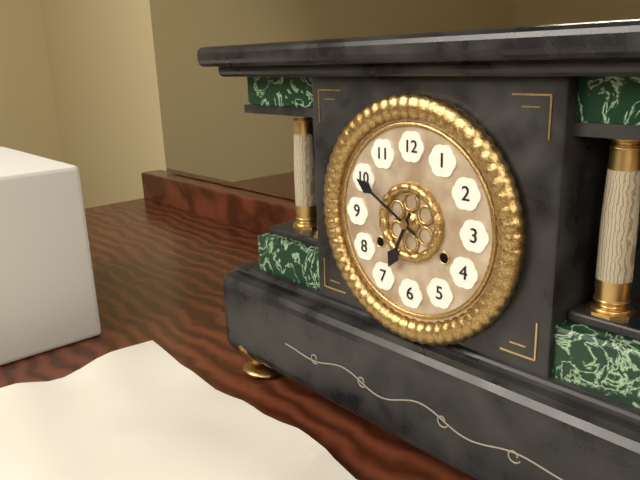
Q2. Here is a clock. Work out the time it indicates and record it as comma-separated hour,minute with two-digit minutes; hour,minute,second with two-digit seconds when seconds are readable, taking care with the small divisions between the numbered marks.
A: 6,50
